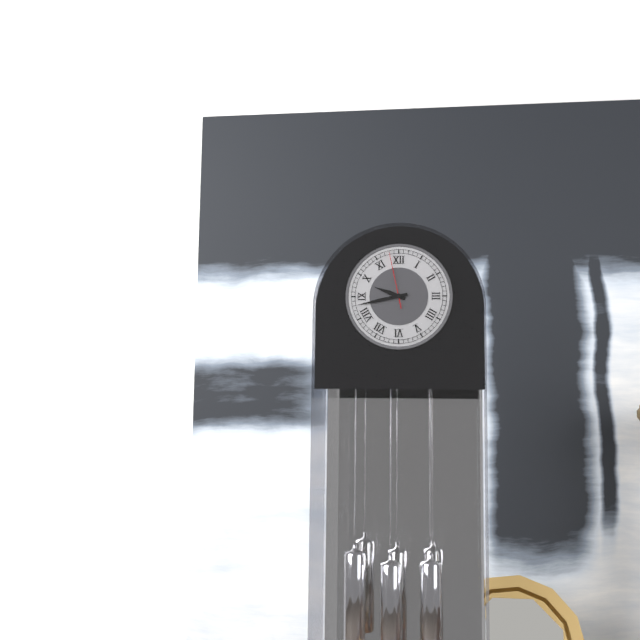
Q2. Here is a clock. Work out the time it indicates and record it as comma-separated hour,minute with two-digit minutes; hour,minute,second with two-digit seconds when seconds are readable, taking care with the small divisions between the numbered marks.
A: 9,43,58
